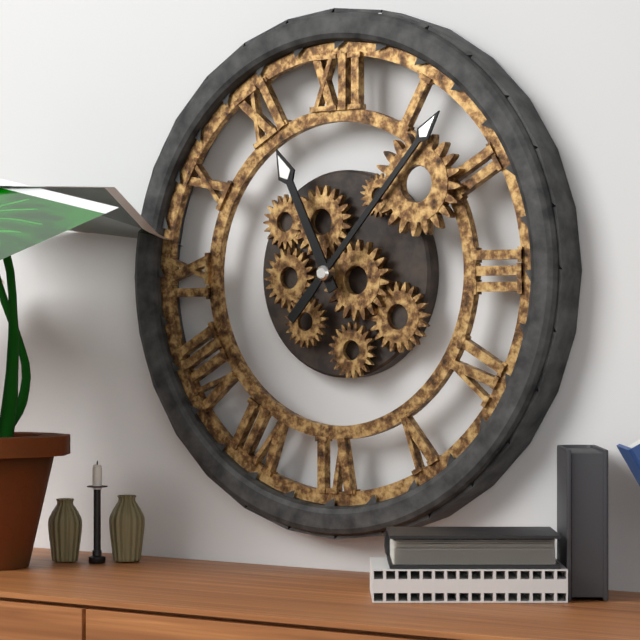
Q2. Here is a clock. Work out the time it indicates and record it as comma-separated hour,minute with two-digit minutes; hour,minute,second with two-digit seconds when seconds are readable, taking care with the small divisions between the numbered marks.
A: 11,07
